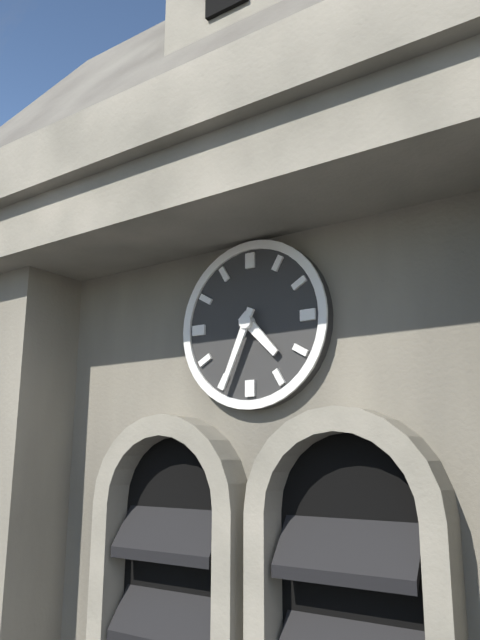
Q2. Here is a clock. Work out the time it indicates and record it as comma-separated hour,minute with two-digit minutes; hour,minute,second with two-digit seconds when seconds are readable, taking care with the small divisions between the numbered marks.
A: 4,34
